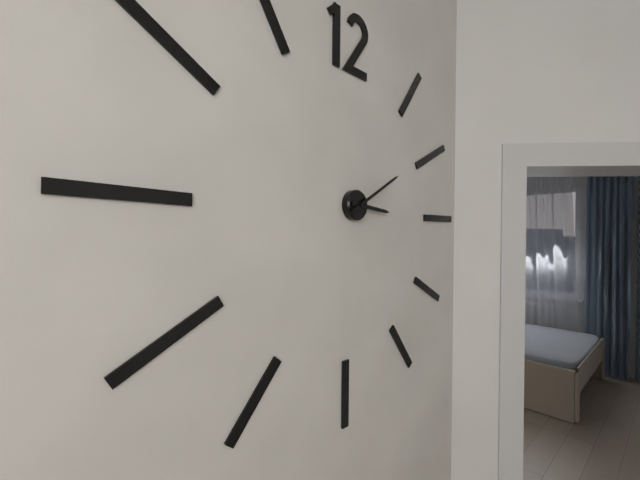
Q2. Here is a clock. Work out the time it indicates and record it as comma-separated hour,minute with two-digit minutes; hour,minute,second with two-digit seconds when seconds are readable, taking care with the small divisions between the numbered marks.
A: 3,10
